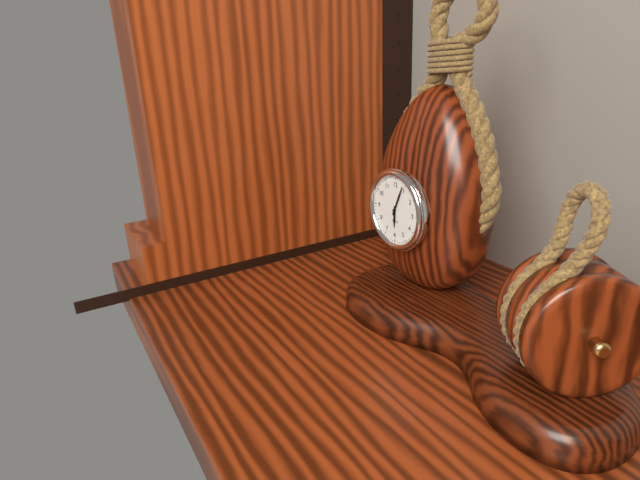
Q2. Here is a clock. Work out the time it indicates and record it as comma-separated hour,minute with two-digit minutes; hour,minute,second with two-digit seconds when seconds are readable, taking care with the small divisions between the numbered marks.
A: 6,04
